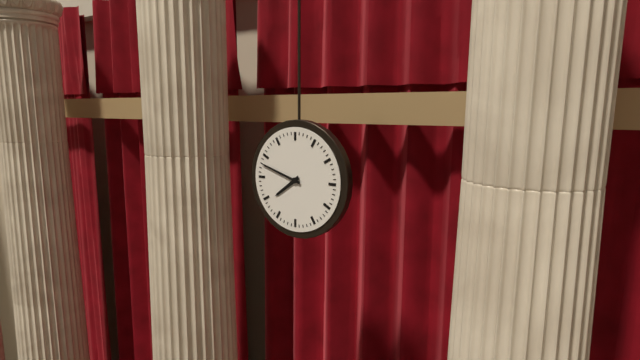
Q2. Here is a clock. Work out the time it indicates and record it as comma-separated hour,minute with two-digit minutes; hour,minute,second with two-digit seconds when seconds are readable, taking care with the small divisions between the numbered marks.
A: 7,48
